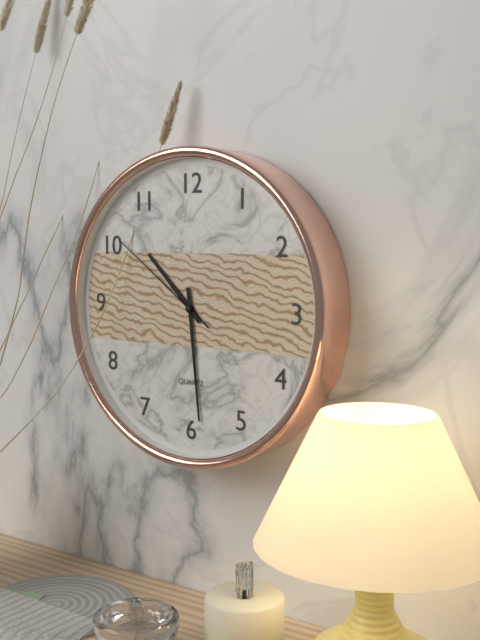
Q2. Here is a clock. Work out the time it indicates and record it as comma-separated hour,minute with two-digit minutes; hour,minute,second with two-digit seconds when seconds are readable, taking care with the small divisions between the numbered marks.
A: 10,29,51
